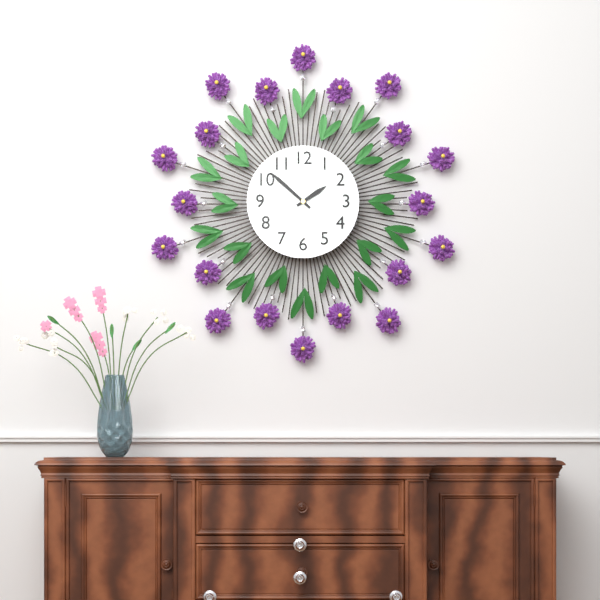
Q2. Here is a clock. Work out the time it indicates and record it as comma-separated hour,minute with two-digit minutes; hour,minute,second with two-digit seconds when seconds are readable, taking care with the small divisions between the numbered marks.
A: 1,52
